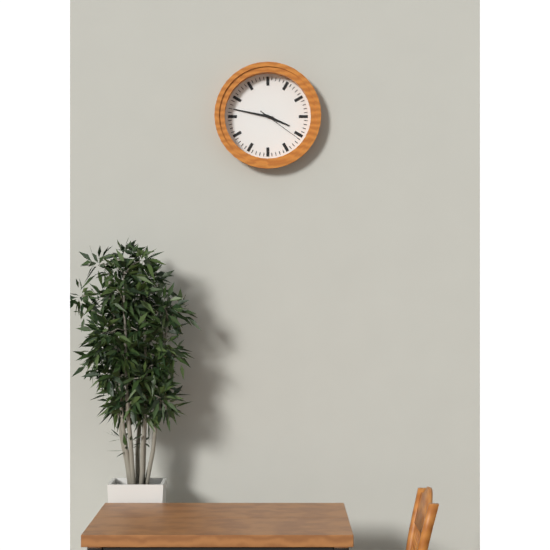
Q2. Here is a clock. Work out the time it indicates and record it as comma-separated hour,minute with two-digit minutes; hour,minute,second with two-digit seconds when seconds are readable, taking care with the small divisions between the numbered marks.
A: 3,47
